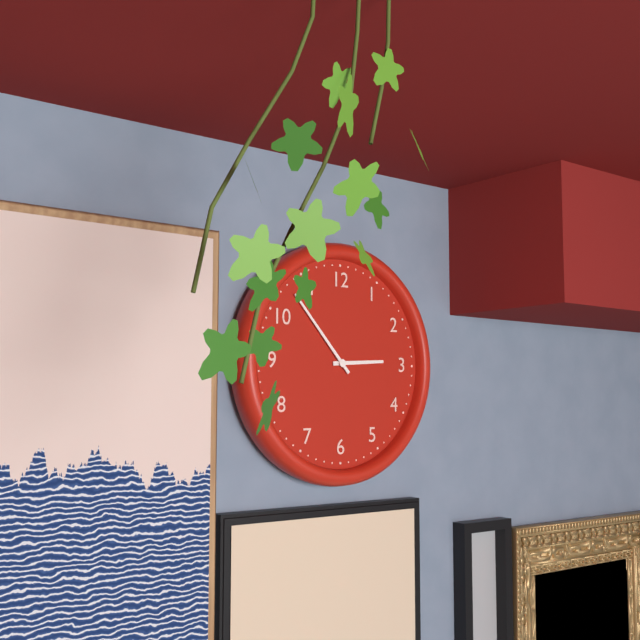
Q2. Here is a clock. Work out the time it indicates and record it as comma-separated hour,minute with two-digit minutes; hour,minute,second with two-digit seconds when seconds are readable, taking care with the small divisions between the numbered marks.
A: 2,53
